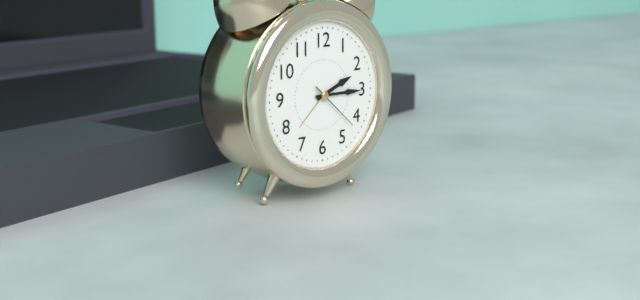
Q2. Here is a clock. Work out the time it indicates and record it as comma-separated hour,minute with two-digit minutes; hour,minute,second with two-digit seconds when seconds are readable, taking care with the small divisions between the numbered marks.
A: 2,15,22
